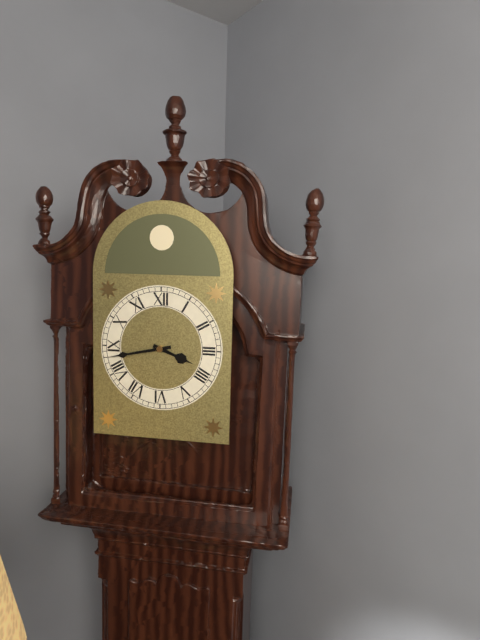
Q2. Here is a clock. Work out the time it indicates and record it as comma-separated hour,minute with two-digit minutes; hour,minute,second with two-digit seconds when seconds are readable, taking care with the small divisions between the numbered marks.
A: 3,43
